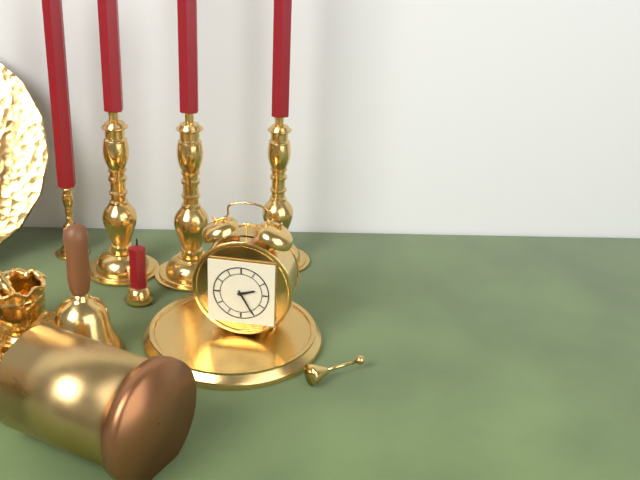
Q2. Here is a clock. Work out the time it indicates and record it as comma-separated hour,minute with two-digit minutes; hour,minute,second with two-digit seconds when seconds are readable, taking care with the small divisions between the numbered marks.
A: 2,25
